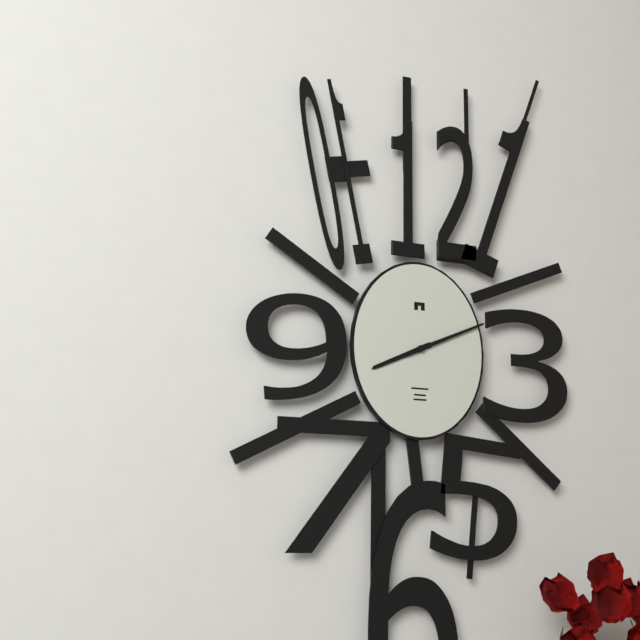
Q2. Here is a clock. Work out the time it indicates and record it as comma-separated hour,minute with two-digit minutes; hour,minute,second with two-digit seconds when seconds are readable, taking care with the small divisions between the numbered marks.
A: 8,11
